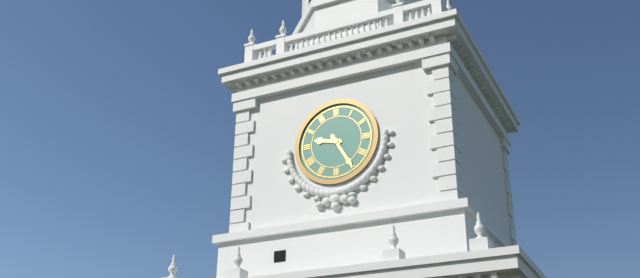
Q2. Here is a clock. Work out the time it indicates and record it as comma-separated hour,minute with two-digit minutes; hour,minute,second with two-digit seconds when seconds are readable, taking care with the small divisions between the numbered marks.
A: 9,25
